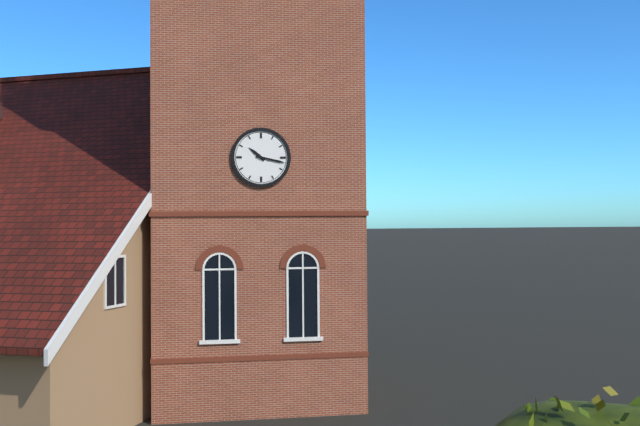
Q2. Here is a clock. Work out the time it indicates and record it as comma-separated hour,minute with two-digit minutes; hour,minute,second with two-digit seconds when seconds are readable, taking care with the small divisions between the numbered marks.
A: 10,17
